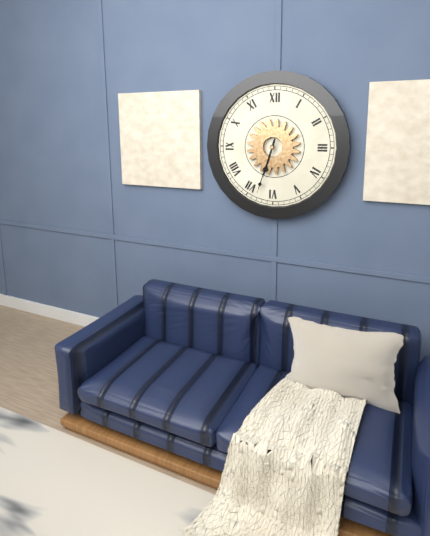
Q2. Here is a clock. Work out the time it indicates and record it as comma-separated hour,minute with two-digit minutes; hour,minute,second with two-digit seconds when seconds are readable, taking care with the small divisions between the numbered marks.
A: 6,33
